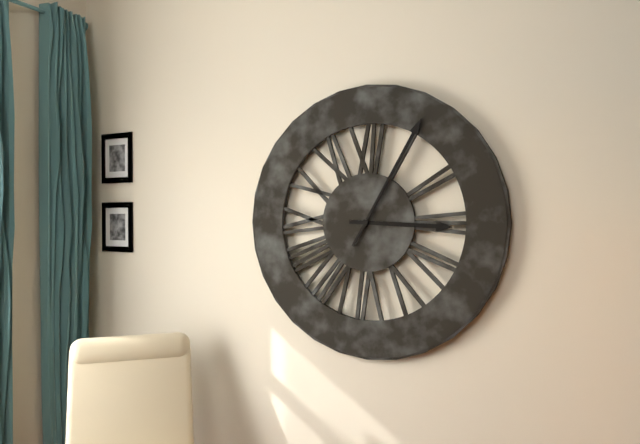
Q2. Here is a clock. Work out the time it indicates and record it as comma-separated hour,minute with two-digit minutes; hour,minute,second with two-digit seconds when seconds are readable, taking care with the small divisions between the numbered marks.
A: 3,05
